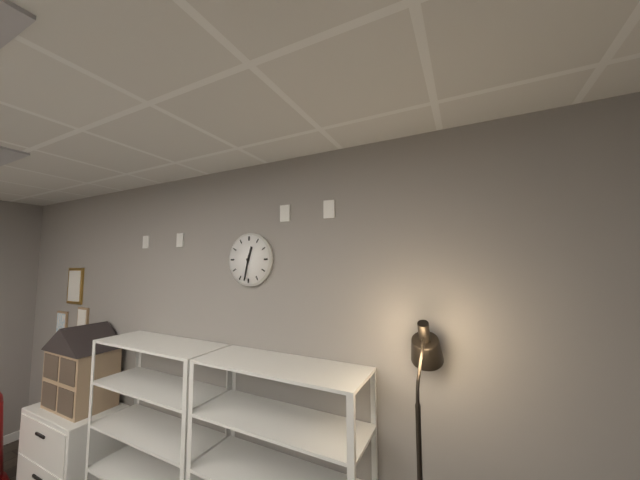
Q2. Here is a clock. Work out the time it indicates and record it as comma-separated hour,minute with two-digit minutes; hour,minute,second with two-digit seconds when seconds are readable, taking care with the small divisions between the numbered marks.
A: 12,32
